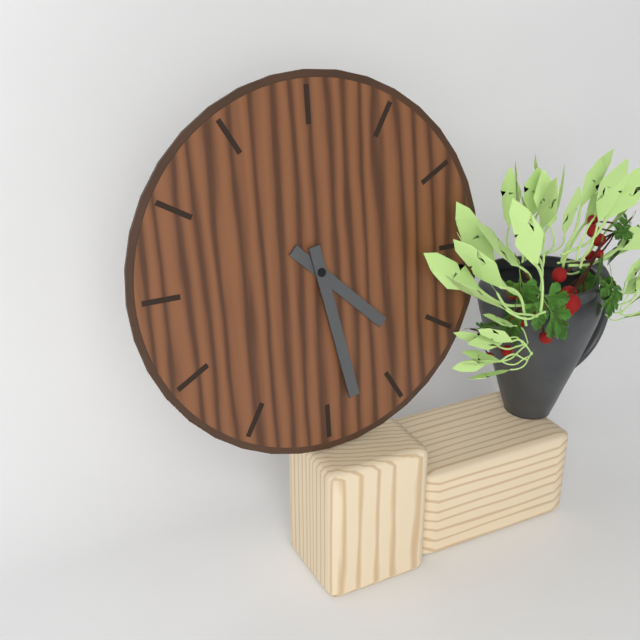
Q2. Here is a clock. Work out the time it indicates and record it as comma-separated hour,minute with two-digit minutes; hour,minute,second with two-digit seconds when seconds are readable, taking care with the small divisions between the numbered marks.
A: 4,28
